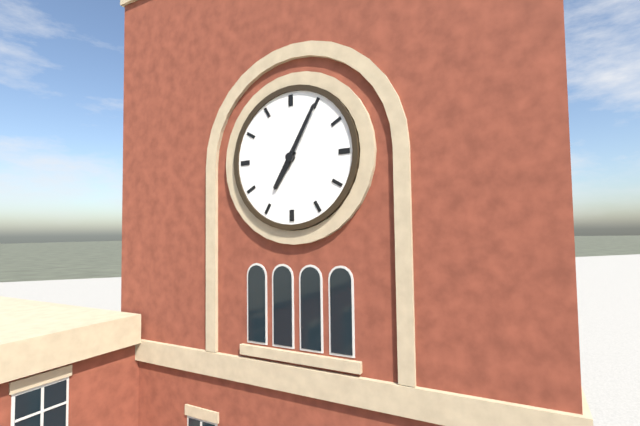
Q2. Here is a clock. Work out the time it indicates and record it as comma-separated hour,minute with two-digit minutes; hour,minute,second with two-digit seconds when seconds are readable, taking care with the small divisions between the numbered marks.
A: 7,05
